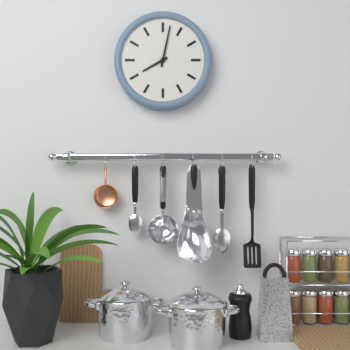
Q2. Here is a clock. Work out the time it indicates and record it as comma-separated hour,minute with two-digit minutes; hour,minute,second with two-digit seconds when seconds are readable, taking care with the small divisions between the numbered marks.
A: 8,02
